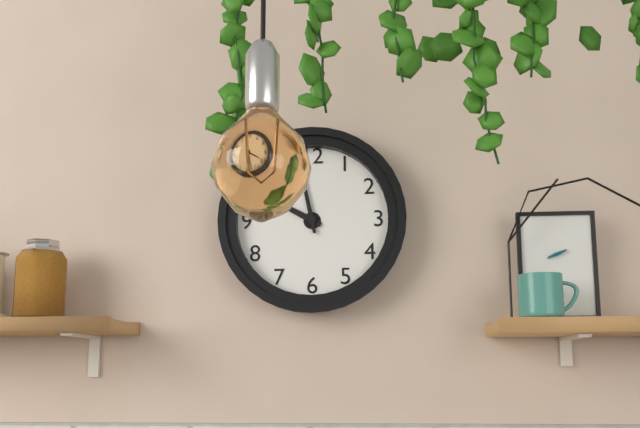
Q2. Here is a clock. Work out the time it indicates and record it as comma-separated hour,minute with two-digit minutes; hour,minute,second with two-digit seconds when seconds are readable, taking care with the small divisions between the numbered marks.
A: 9,58
